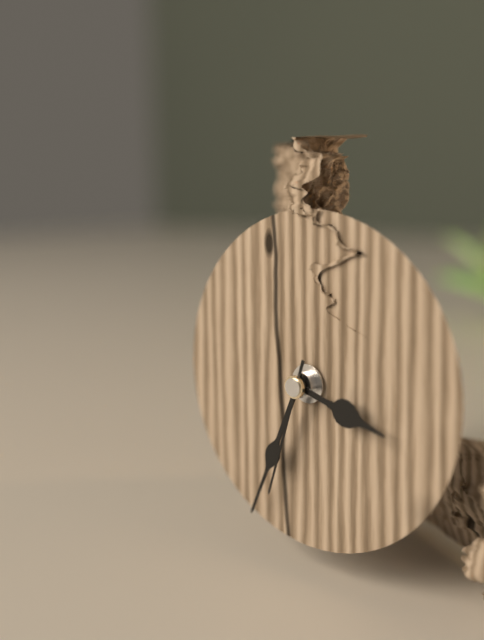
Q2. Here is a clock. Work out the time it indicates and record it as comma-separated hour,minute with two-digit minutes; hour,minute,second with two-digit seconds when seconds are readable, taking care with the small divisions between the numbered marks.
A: 3,34,33
